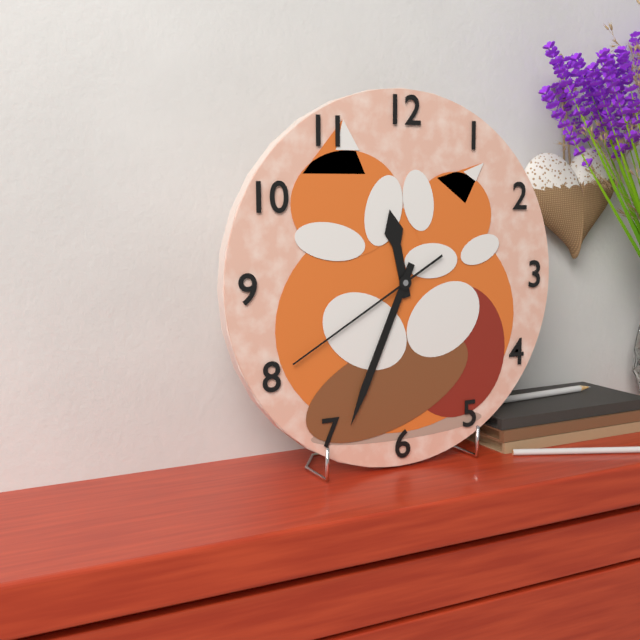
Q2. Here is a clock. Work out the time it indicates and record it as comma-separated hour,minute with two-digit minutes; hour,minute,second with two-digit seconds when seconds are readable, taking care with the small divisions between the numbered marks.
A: 11,34,40
